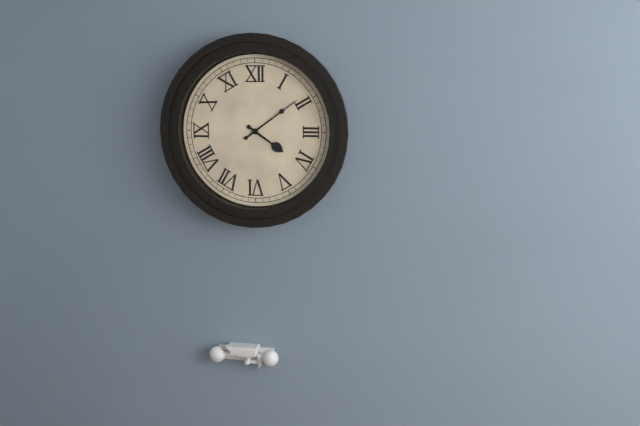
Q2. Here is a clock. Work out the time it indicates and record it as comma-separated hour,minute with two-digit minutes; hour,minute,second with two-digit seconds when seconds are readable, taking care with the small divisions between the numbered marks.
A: 4,09
